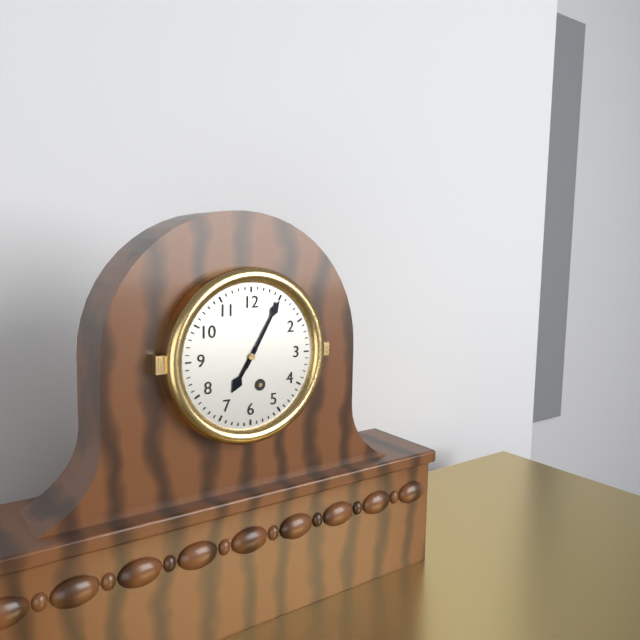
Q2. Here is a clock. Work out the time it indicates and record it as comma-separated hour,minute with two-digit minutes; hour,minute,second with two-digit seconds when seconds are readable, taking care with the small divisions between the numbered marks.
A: 7,05
